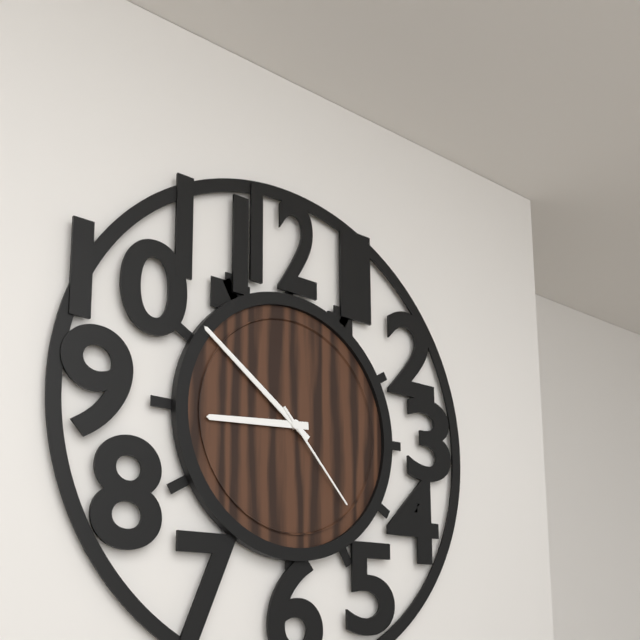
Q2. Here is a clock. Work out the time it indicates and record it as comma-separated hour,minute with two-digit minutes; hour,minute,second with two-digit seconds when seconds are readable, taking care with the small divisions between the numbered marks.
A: 8,51,23
